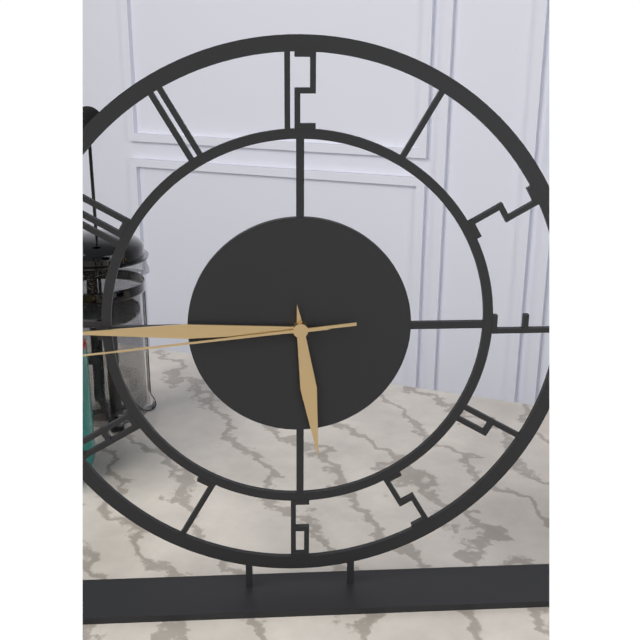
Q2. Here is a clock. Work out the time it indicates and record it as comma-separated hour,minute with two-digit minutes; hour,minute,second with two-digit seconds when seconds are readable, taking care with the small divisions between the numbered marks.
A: 5,45,44
